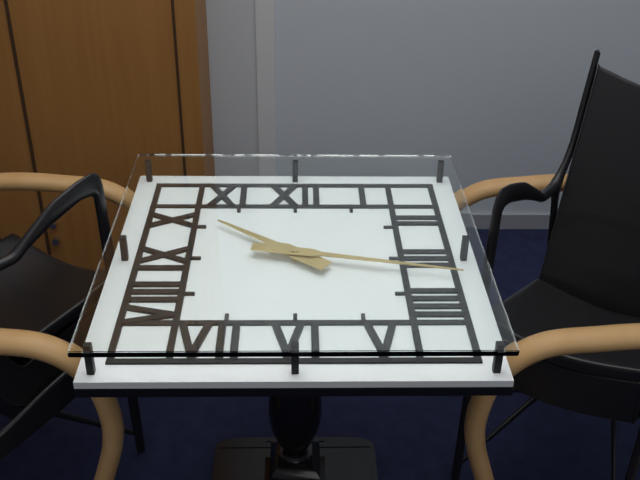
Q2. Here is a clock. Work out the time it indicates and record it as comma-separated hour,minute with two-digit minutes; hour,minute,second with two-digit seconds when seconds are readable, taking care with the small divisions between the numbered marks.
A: 10,17
